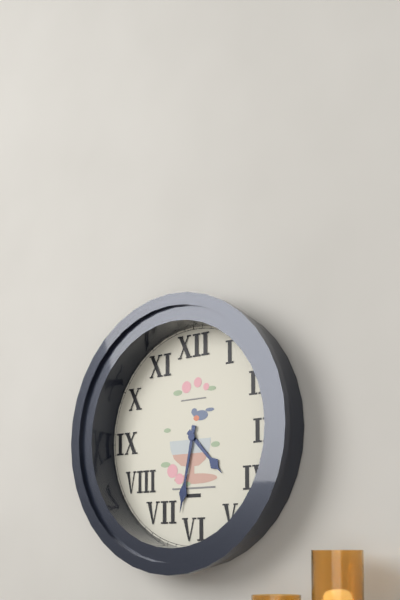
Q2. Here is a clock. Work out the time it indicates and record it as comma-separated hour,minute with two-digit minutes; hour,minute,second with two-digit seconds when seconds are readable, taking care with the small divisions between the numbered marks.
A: 4,32
